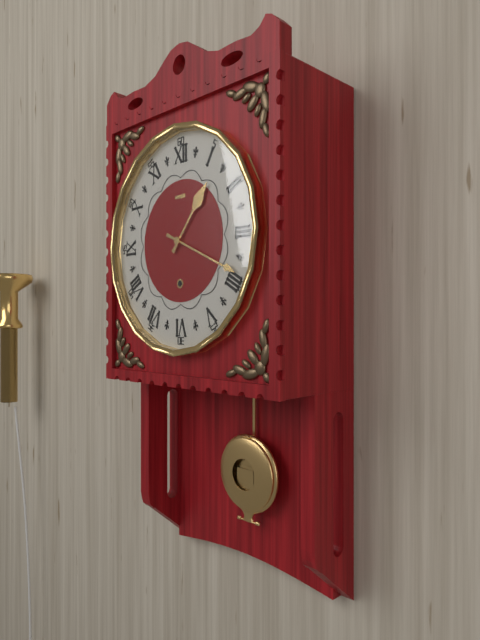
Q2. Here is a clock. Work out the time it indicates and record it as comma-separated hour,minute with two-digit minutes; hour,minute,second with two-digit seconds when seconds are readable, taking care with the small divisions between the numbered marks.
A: 1,19
